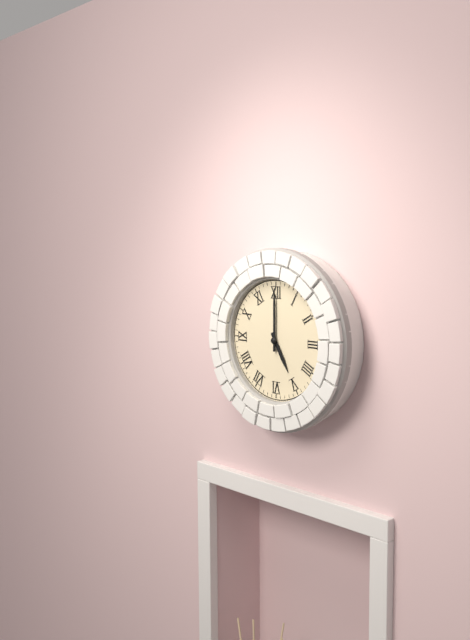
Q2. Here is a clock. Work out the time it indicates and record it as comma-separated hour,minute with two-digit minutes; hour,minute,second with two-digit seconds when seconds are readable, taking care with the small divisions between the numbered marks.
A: 5,00
